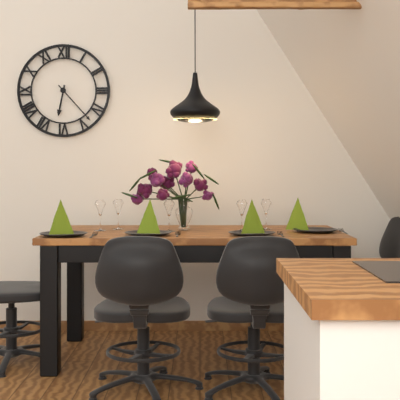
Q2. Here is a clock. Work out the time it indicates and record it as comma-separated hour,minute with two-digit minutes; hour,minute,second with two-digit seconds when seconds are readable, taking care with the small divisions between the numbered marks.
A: 6,23
